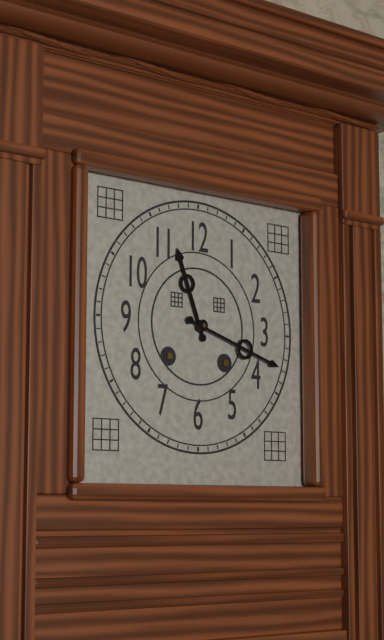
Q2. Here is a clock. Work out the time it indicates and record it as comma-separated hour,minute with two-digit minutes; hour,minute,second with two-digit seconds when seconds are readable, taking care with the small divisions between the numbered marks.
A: 11,18
